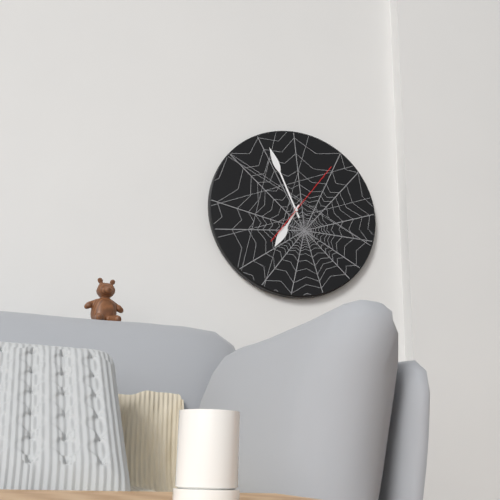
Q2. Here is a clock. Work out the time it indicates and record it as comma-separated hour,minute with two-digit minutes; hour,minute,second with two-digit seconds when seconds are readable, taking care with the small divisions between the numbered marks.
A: 6,56,06
